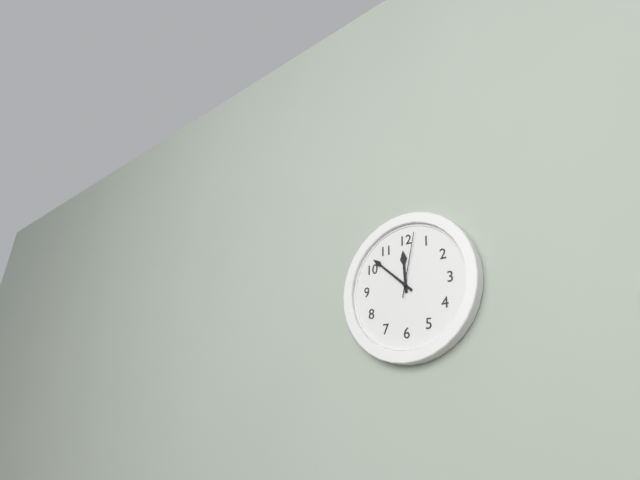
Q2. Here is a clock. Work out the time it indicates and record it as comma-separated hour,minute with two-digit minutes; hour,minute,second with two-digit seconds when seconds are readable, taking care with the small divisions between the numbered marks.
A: 11,52,02
